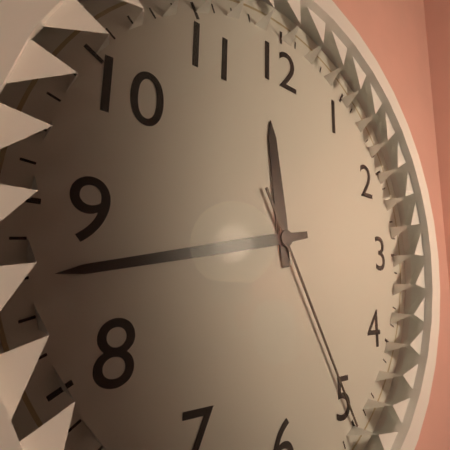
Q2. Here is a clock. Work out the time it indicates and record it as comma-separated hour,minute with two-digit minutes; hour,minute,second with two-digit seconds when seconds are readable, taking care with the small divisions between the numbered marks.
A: 11,43,25
